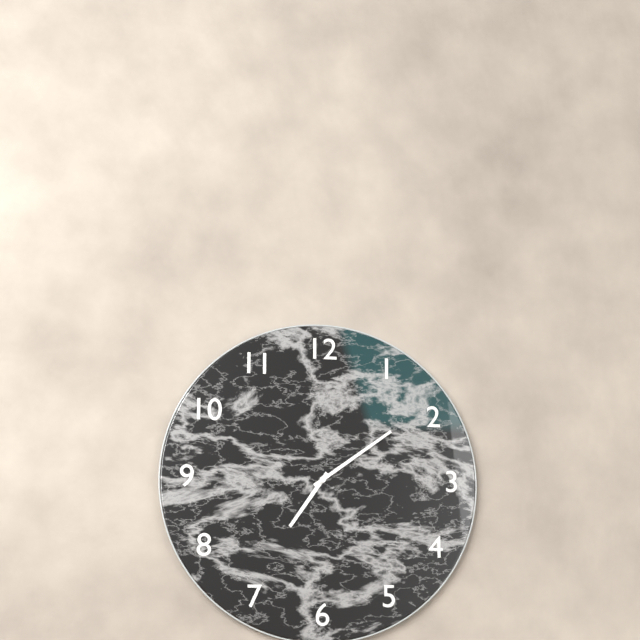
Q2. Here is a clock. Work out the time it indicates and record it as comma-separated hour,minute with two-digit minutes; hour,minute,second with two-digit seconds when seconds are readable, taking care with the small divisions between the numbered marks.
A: 7,09
